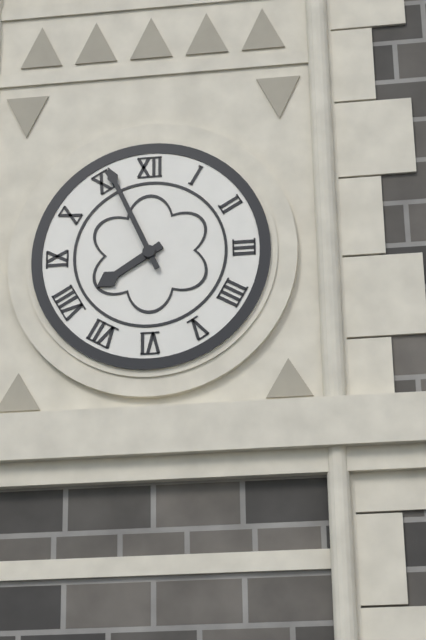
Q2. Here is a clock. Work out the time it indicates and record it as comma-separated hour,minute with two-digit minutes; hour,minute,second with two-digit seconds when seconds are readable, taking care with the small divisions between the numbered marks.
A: 7,56
